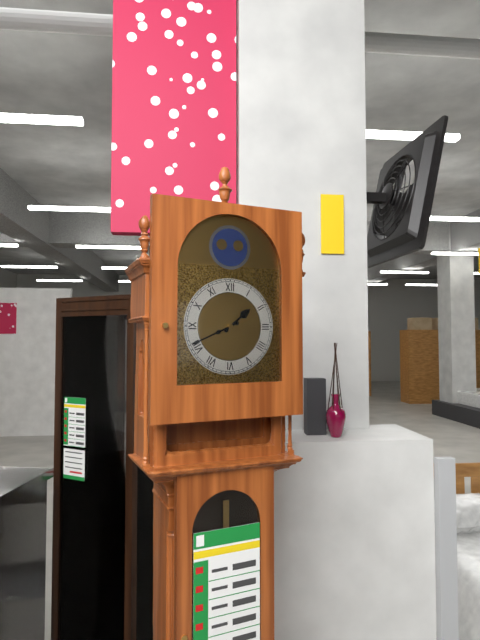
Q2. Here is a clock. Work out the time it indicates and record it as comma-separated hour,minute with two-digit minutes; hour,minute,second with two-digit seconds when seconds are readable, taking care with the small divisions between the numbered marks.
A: 1,41
